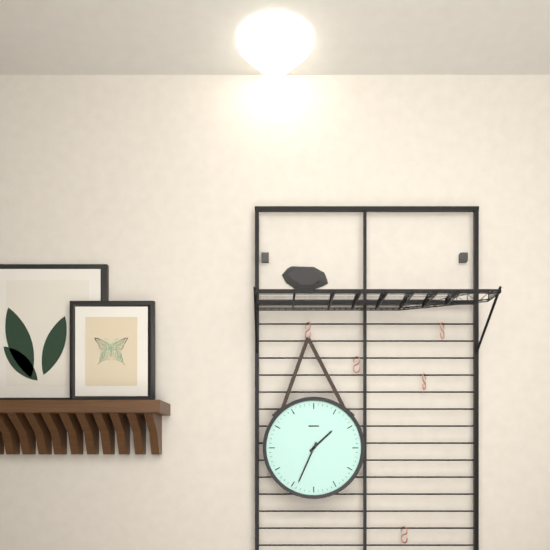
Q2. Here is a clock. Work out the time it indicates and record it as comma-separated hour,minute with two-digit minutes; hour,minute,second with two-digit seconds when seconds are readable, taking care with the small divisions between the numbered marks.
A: 1,34
